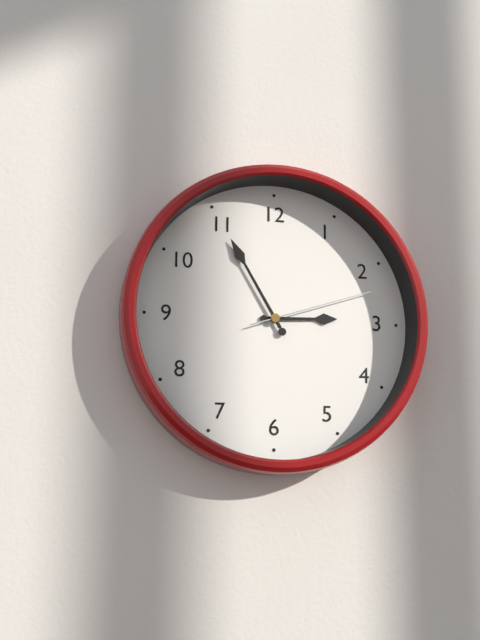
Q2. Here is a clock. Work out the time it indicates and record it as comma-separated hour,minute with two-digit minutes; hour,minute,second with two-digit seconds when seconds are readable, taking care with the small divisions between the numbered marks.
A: 2,55,12
